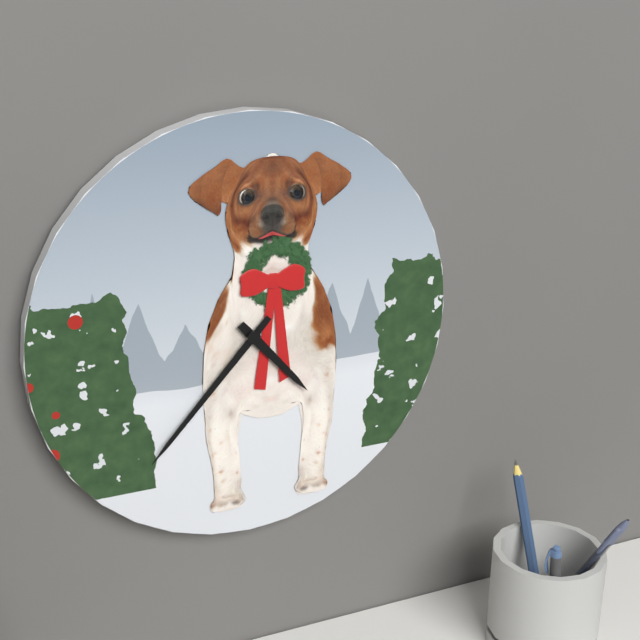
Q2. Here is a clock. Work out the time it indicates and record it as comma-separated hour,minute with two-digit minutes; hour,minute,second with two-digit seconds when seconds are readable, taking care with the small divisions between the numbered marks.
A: 4,37
